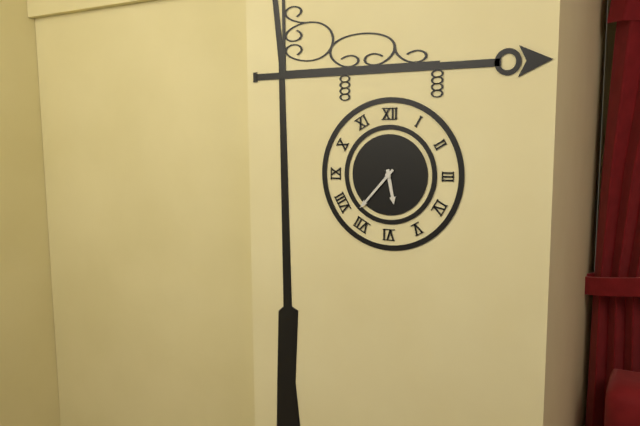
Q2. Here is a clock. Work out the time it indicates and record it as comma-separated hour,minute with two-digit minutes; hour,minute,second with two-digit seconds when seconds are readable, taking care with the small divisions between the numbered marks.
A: 5,37
